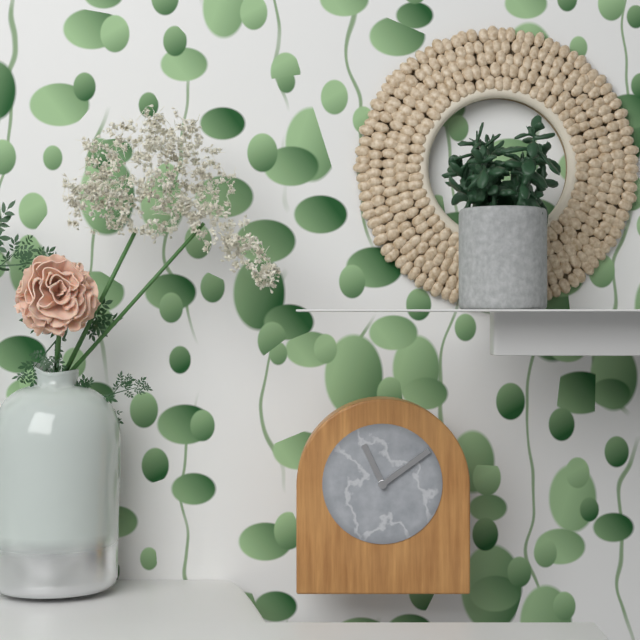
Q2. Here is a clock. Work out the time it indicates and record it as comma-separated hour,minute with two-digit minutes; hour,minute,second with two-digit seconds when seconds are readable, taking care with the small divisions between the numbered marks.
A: 11,09
